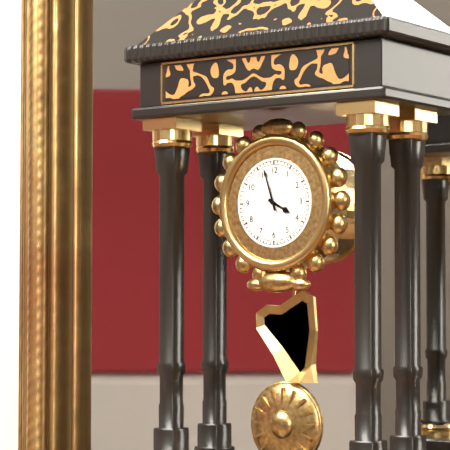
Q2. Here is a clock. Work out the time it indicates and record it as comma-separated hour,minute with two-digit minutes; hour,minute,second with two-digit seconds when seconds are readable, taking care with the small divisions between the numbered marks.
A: 3,57
